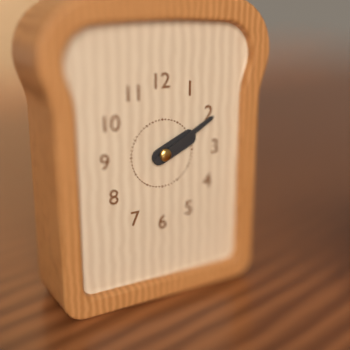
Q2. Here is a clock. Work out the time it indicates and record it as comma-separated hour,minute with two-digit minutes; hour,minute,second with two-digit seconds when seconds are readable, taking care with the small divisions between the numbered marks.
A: 2,10
